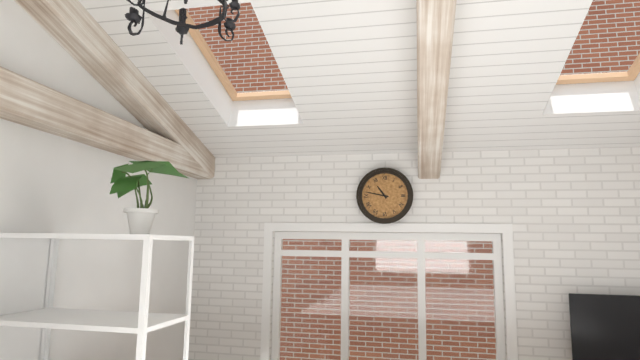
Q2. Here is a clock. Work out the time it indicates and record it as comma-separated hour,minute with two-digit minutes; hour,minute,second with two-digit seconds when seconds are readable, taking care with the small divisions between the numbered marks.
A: 10,47
